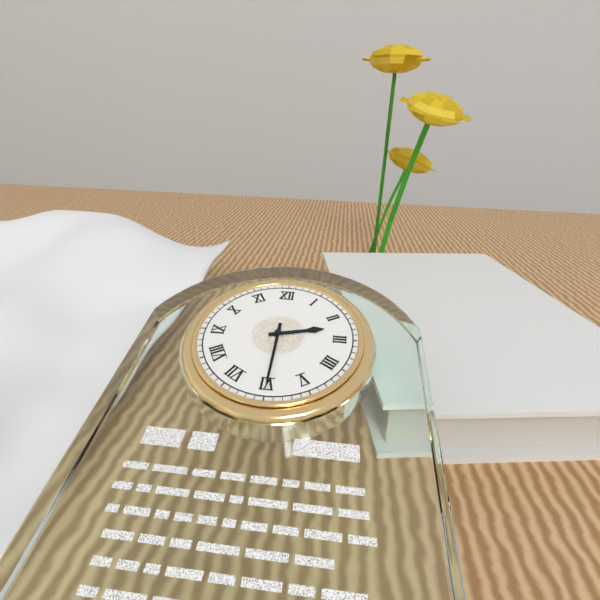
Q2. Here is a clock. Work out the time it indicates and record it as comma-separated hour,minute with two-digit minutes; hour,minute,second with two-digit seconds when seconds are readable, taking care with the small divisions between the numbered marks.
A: 2,30
